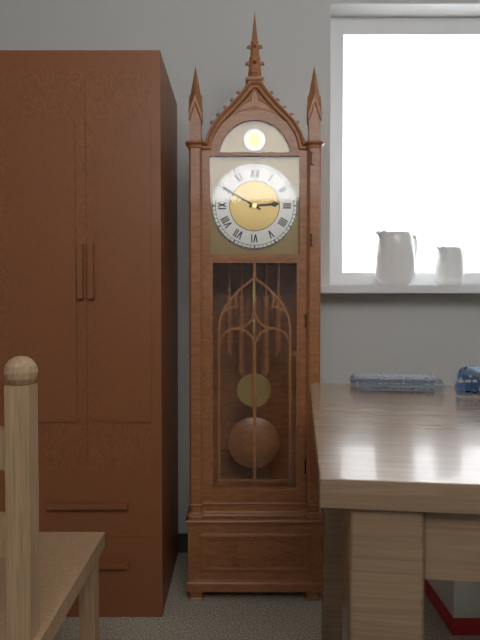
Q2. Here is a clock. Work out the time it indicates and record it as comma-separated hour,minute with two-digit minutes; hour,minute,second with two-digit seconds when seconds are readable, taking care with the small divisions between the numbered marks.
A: 2,50
